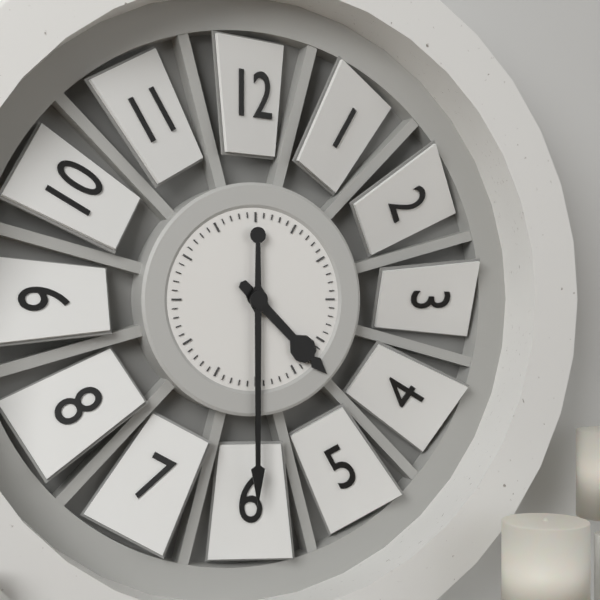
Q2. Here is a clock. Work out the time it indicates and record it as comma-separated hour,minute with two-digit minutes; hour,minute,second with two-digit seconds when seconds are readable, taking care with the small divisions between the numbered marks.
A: 4,30
